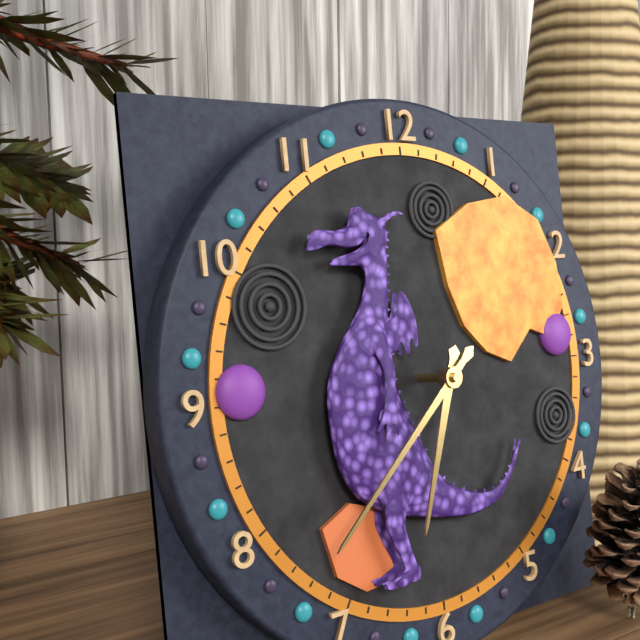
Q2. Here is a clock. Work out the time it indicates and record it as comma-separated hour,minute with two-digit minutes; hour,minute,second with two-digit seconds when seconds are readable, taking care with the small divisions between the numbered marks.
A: 6,38
